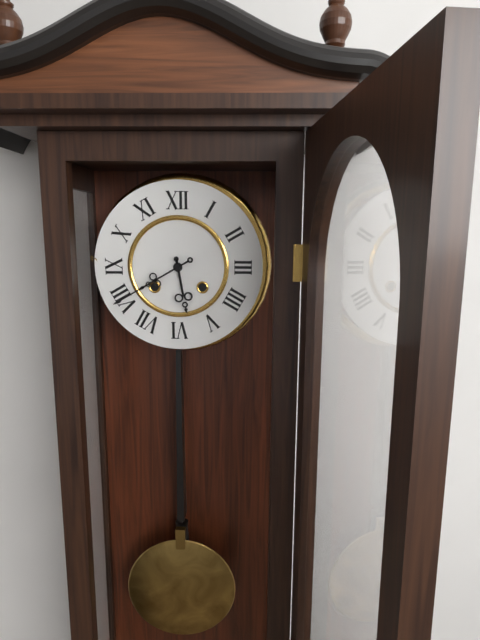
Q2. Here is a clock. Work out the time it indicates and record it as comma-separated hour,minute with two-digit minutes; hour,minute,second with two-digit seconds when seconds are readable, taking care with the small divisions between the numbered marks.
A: 5,40
